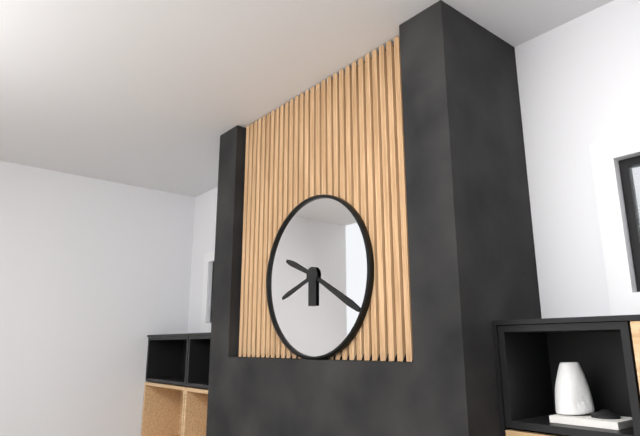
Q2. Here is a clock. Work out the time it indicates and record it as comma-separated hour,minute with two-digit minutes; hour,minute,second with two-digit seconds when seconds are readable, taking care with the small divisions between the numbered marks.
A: 8,20
